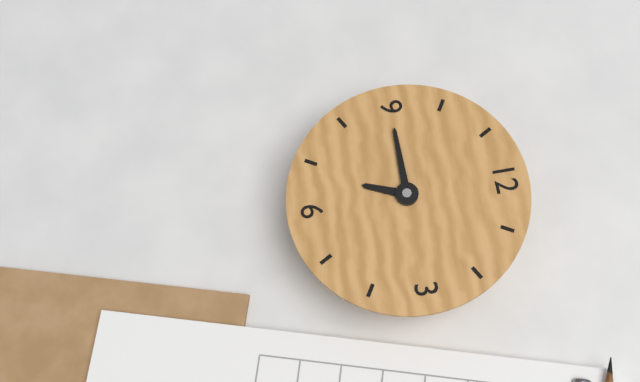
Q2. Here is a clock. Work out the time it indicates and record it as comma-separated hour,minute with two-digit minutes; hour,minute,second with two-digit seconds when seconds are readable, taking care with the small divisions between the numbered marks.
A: 6,45
